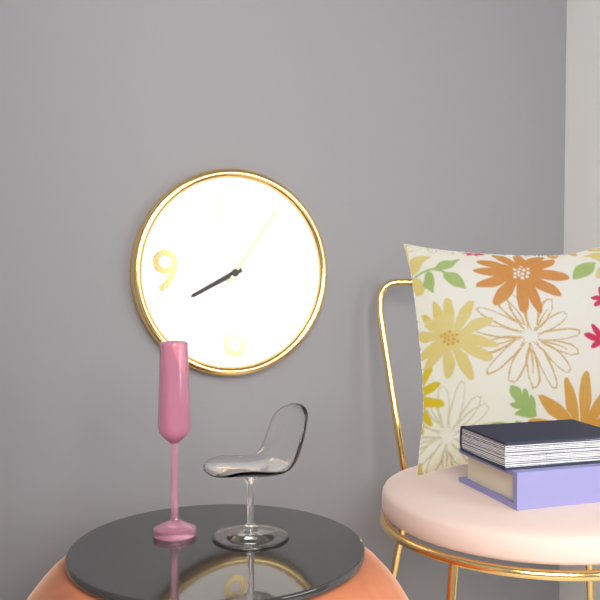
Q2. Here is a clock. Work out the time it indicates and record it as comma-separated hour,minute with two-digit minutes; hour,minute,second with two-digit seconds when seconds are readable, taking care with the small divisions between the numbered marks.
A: 8,06
